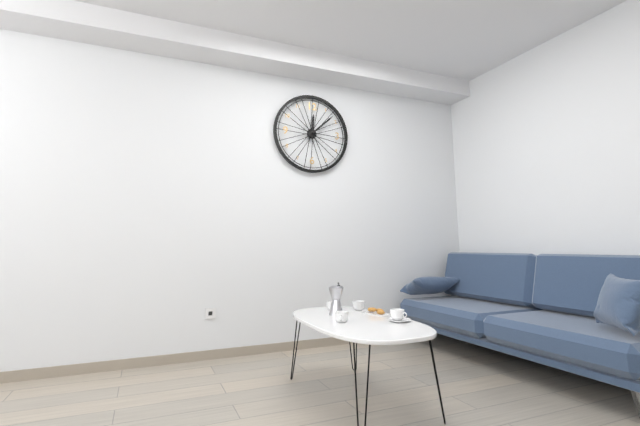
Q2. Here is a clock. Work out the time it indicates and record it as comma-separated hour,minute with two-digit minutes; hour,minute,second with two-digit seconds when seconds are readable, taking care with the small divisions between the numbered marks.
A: 12,08
